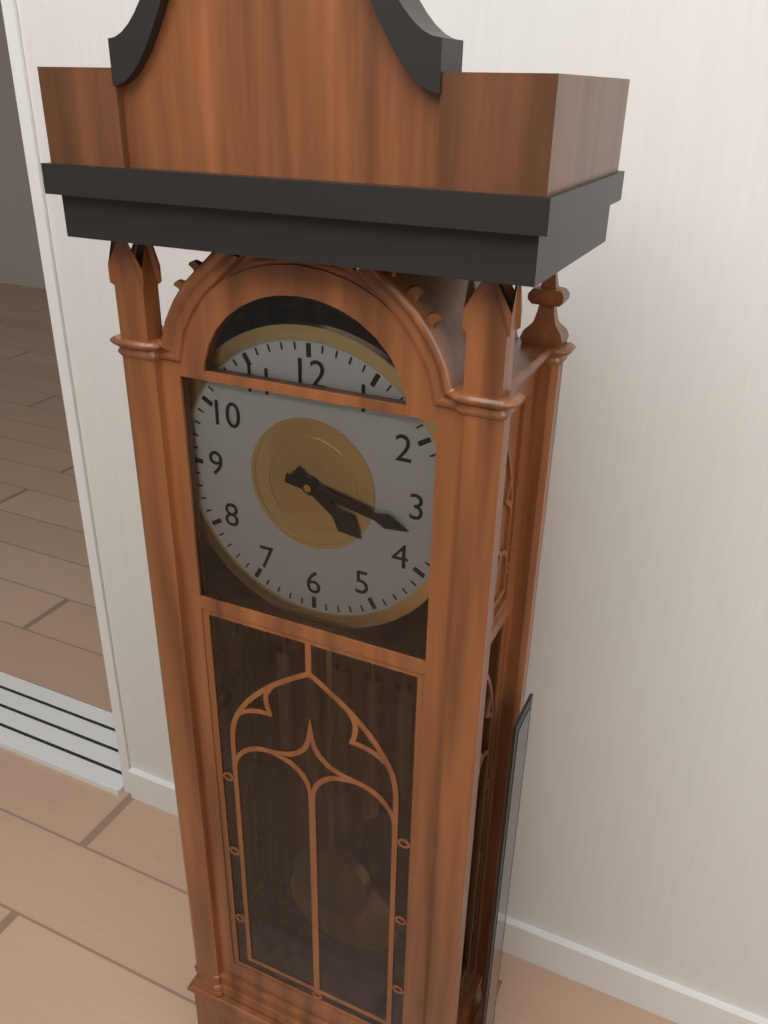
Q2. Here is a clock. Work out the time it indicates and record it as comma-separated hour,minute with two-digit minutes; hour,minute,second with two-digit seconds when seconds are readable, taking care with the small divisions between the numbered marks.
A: 4,17
